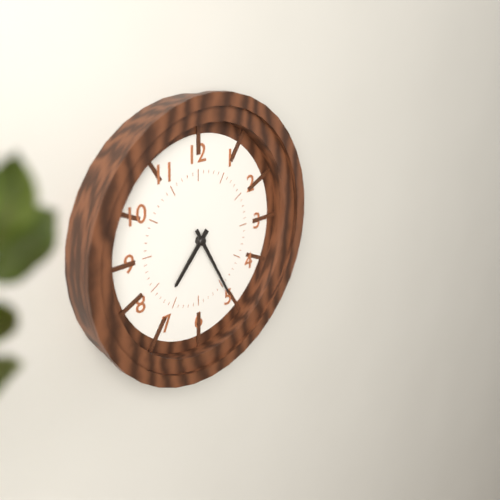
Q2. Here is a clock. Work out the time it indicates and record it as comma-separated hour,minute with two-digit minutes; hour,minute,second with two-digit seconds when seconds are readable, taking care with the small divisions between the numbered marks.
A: 7,25
